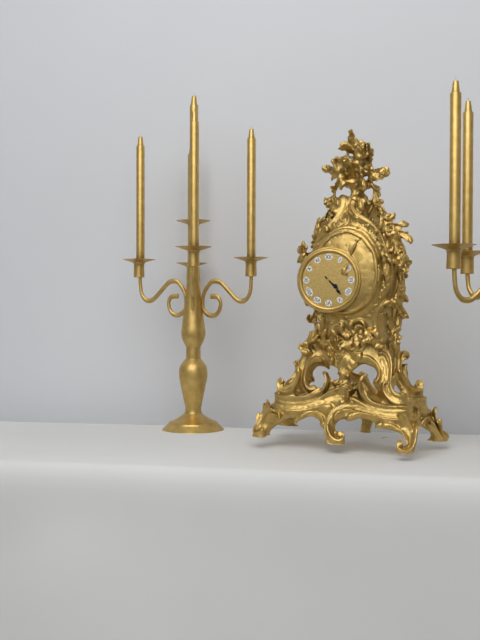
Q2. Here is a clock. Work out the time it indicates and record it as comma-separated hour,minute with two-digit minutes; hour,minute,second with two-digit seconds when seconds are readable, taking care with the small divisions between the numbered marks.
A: 4,23
